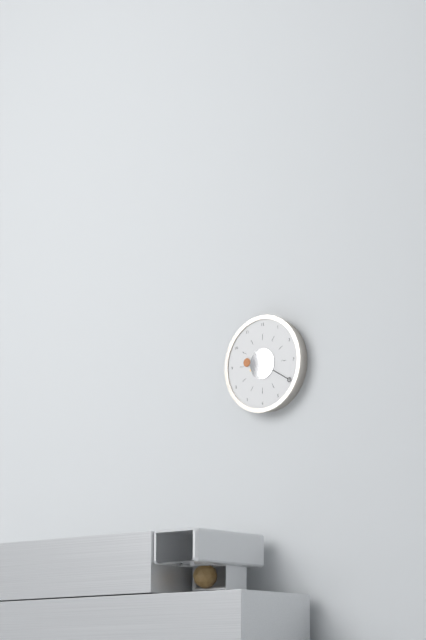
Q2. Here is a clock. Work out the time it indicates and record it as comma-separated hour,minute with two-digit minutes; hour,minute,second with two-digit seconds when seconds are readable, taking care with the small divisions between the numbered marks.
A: 9,20
